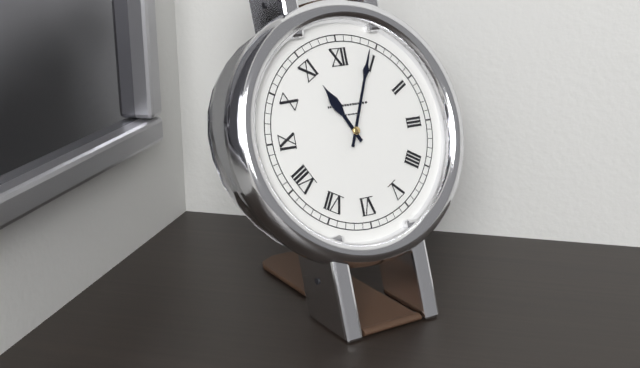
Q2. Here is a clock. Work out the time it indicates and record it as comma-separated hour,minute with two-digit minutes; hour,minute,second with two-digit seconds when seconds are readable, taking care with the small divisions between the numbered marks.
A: 11,04
